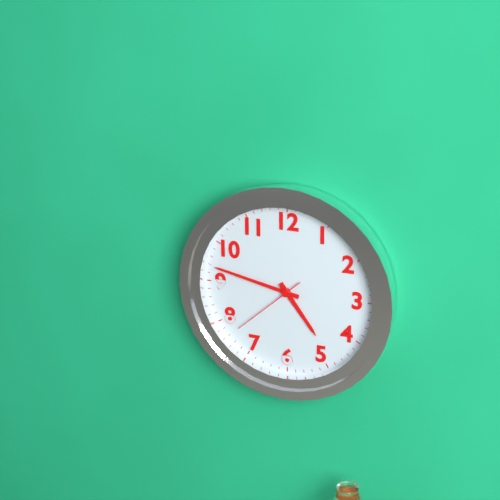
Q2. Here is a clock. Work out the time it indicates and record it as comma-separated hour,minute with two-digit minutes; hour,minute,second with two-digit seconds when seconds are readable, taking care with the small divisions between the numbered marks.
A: 4,47,38
